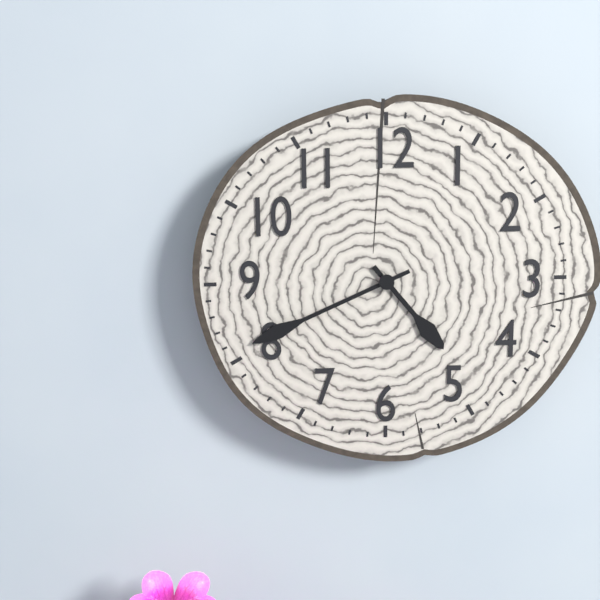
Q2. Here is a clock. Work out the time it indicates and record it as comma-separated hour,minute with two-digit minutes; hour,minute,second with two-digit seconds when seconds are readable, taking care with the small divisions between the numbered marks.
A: 4,41
